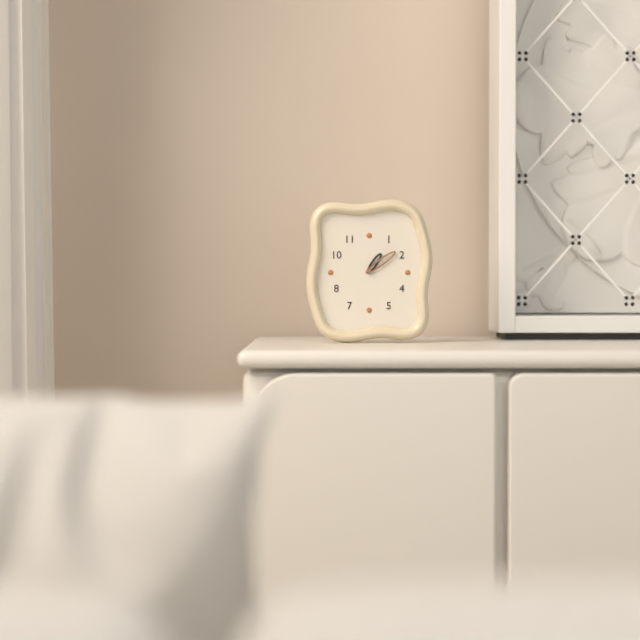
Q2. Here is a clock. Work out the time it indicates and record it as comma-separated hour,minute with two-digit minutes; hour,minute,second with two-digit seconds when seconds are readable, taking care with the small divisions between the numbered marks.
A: 1,09
